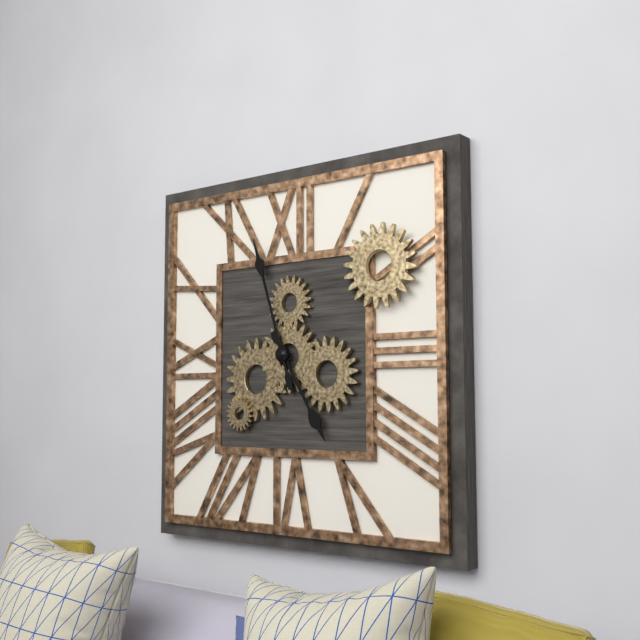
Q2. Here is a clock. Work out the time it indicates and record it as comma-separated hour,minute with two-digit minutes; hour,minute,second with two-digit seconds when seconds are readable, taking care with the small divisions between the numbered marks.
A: 4,57
